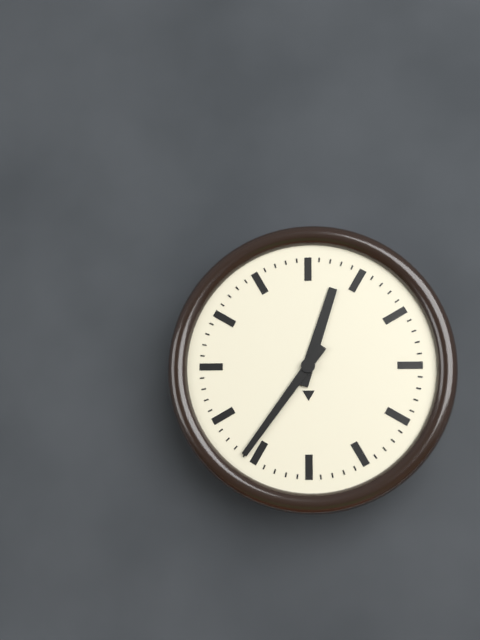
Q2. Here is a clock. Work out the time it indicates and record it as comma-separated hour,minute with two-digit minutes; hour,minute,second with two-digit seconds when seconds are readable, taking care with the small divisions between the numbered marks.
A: 12,36
